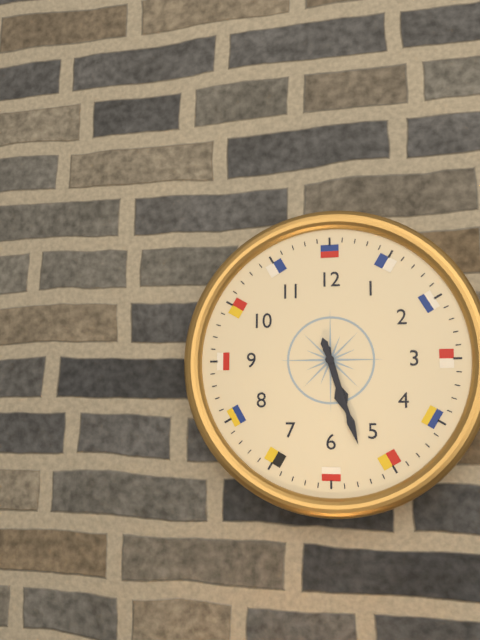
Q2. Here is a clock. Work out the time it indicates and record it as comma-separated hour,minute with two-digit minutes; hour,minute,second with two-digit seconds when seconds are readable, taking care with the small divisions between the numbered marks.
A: 5,27
